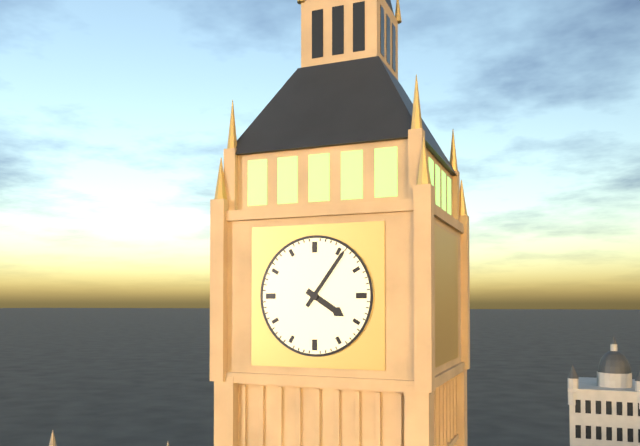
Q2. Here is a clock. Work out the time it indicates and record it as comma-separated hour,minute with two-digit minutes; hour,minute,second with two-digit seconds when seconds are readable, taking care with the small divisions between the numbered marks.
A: 4,06
